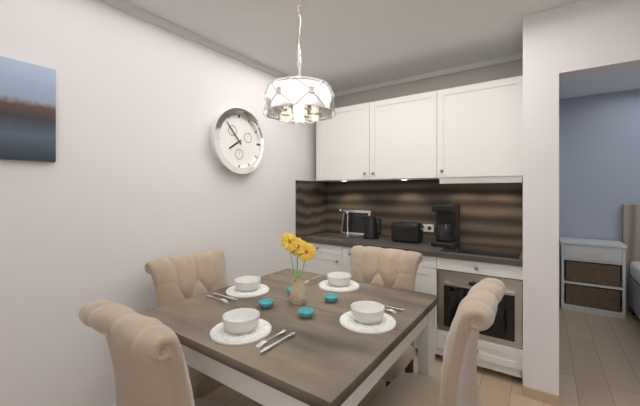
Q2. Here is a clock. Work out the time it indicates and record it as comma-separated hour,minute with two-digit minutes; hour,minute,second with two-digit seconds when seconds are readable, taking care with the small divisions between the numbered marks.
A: 7,53
